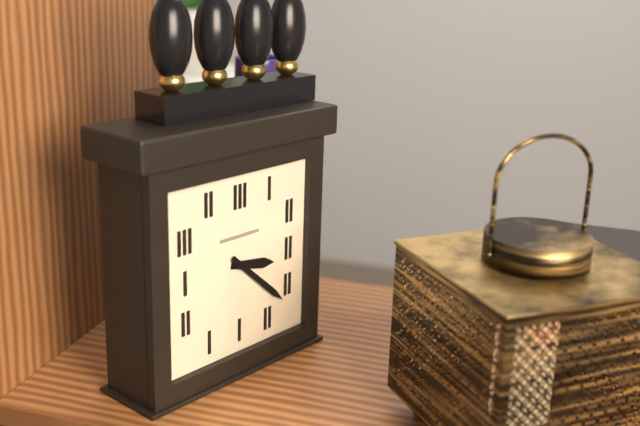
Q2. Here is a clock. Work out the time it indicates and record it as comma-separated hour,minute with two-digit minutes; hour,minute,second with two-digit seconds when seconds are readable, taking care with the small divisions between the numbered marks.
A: 3,22
